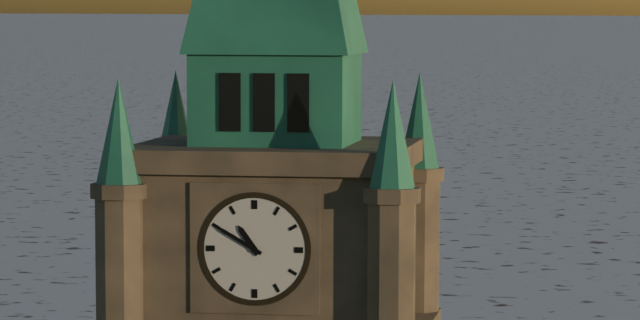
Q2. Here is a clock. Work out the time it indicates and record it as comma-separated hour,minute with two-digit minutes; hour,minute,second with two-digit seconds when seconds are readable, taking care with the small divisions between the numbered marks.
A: 10,50
